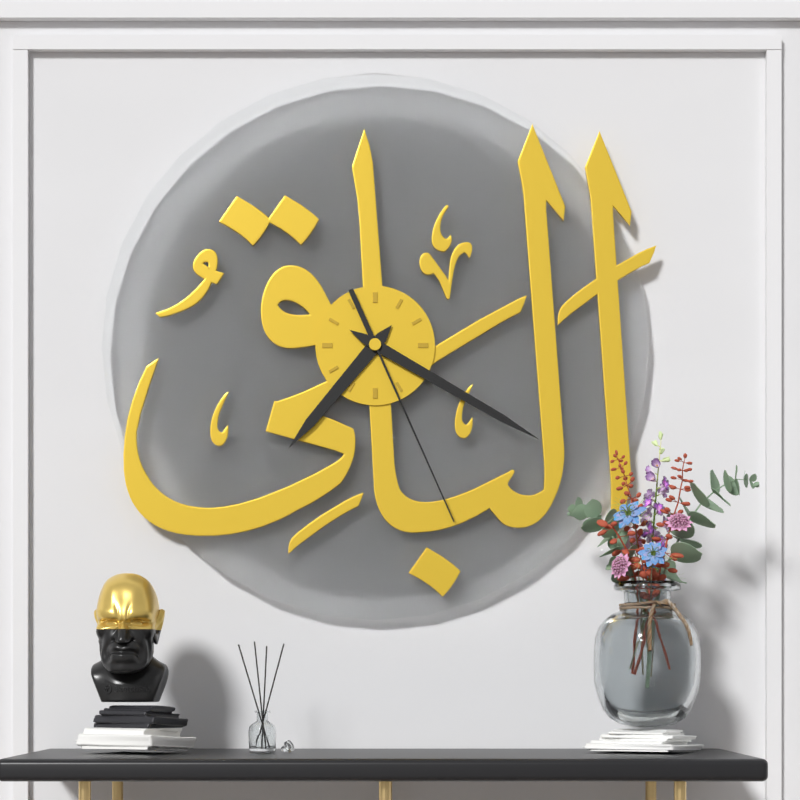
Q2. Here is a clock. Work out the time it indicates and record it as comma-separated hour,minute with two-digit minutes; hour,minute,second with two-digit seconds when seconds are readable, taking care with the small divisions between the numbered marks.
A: 7,20,26
